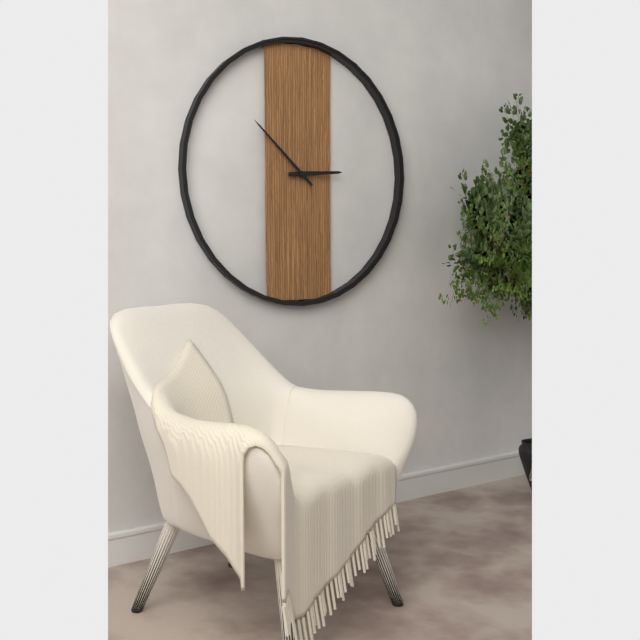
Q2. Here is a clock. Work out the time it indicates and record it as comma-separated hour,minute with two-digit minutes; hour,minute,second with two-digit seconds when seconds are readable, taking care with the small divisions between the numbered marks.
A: 2,52
